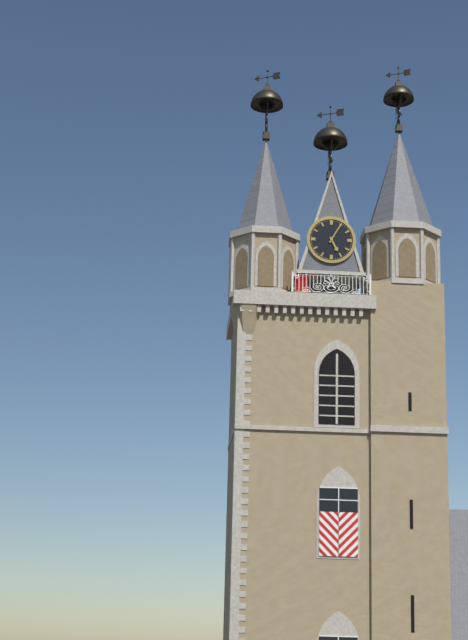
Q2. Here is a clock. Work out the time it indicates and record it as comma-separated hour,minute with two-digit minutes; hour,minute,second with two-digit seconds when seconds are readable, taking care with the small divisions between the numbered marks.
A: 5,05
